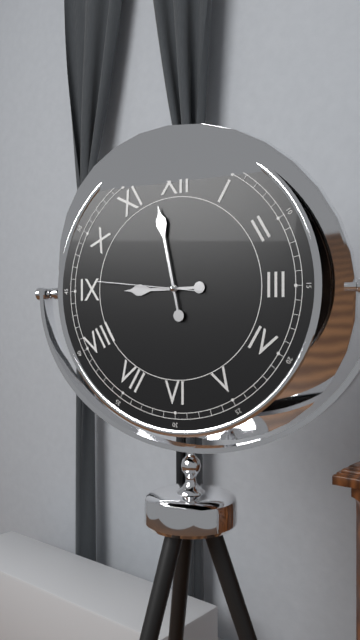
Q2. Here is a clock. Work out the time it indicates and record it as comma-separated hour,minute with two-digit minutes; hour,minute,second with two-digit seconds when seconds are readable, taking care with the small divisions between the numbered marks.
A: 8,58,46
